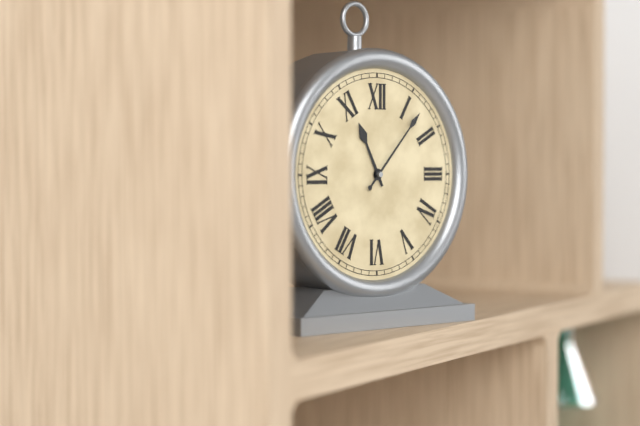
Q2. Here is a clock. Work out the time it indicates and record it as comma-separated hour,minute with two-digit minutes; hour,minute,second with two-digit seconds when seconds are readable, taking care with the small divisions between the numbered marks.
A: 11,07
